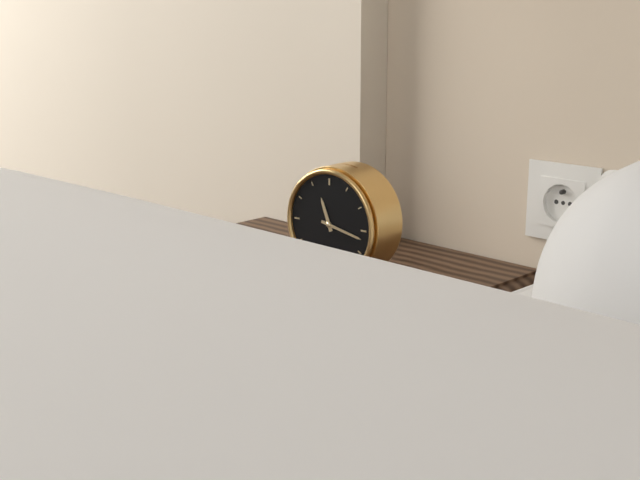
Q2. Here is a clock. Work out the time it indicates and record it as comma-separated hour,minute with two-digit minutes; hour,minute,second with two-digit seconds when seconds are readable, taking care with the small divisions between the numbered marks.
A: 11,17
